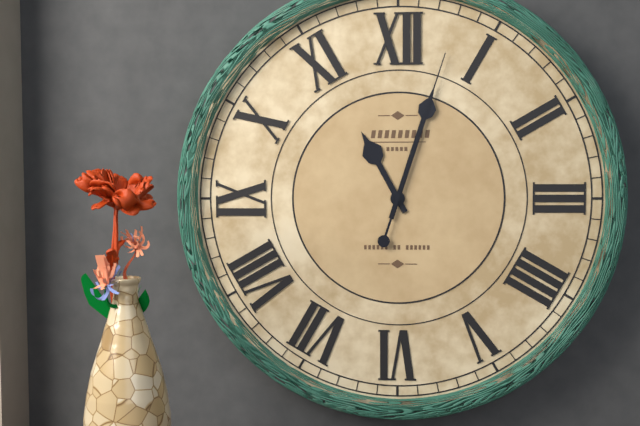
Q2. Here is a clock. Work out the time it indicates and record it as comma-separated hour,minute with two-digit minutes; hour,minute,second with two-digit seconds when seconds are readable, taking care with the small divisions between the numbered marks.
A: 11,03,03
